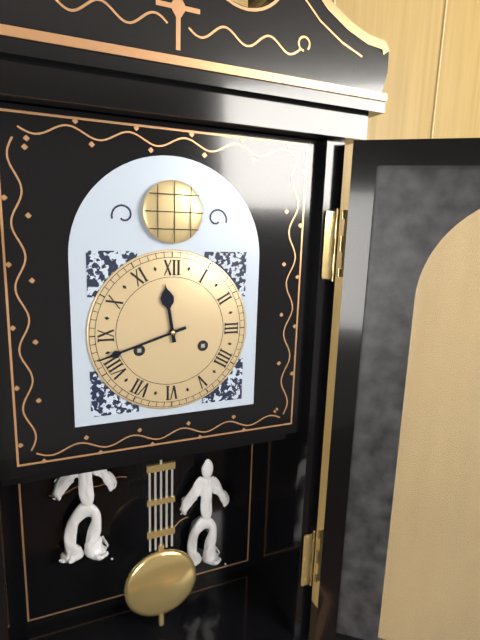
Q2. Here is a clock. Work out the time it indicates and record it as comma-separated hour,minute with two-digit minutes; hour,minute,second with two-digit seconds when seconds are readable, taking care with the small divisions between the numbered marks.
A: 11,42
